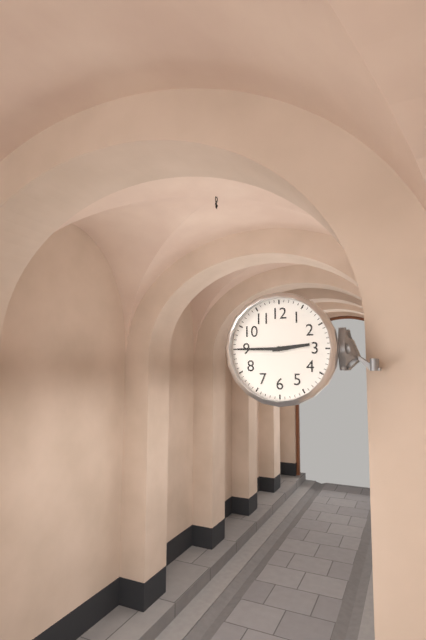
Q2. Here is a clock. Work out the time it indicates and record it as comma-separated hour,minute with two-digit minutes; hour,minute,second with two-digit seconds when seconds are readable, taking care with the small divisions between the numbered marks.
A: 2,45
